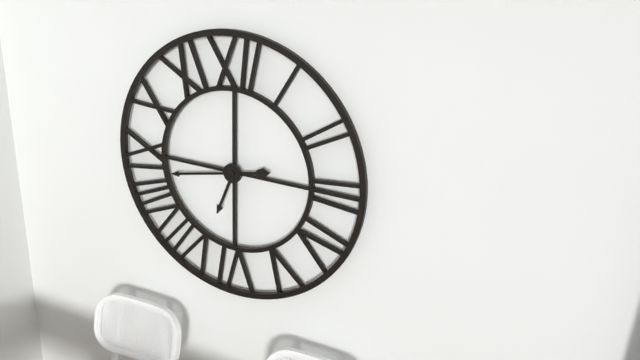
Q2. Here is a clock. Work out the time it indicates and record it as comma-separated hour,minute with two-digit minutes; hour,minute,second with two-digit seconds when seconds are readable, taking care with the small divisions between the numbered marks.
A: 6,43
